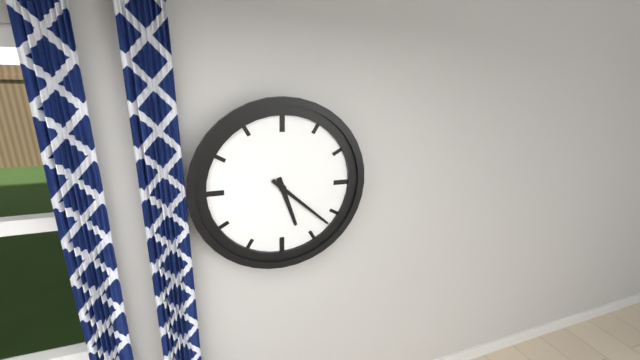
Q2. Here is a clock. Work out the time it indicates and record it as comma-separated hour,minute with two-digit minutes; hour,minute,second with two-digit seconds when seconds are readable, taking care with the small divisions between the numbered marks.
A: 5,22
